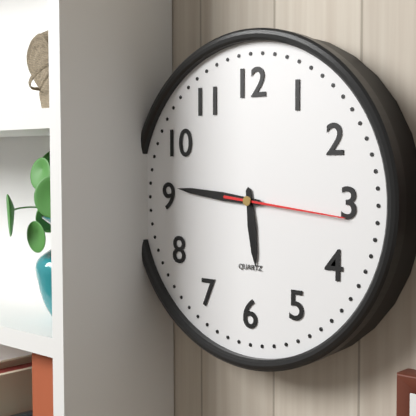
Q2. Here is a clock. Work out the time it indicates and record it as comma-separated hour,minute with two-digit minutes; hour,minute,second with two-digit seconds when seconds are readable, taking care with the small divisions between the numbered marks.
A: 5,46,16
